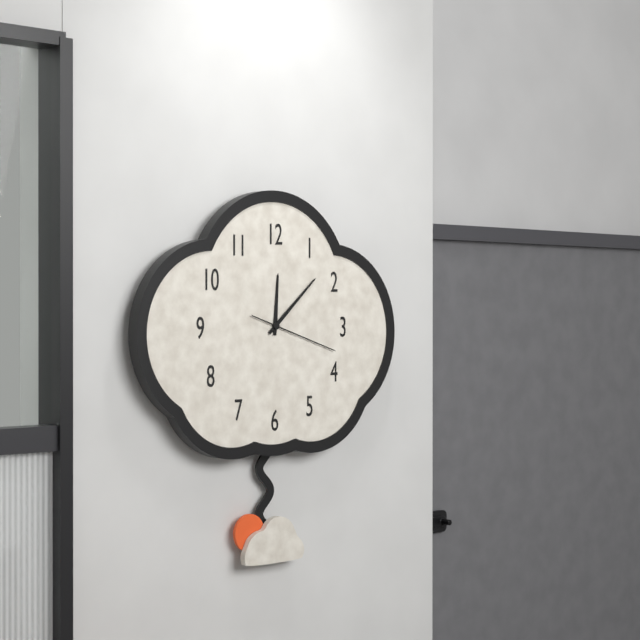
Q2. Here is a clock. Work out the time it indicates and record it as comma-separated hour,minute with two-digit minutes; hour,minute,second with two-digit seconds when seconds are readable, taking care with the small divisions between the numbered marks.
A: 12,08,18
